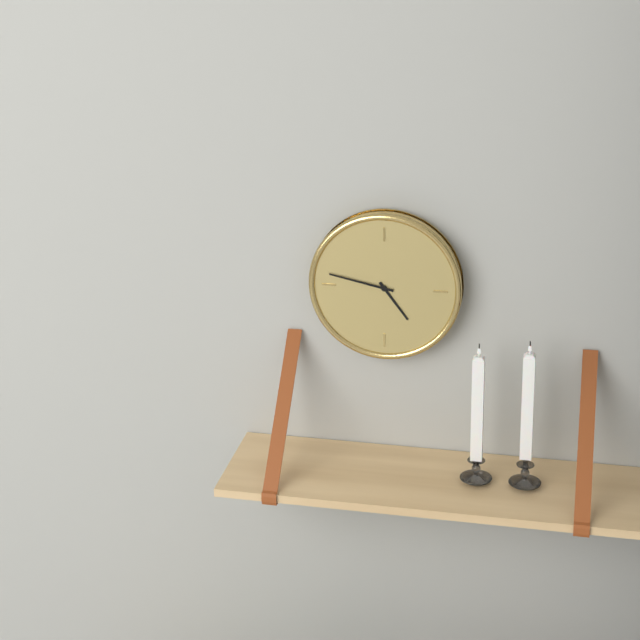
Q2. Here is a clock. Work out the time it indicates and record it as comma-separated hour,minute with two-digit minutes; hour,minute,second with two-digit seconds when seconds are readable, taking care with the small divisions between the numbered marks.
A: 4,47
